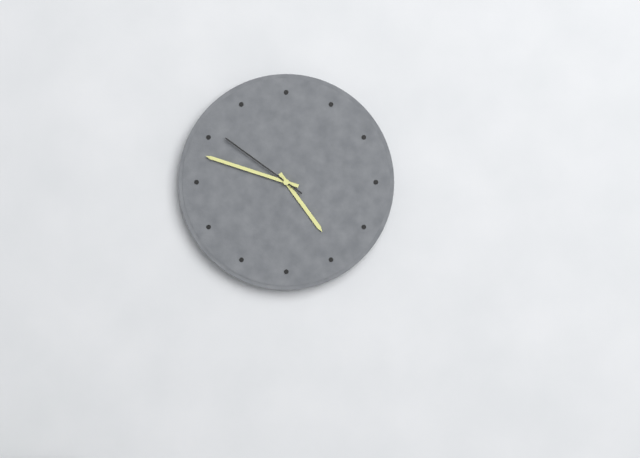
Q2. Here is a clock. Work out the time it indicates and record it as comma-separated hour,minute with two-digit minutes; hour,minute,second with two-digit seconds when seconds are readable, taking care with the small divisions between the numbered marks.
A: 4,48,51
